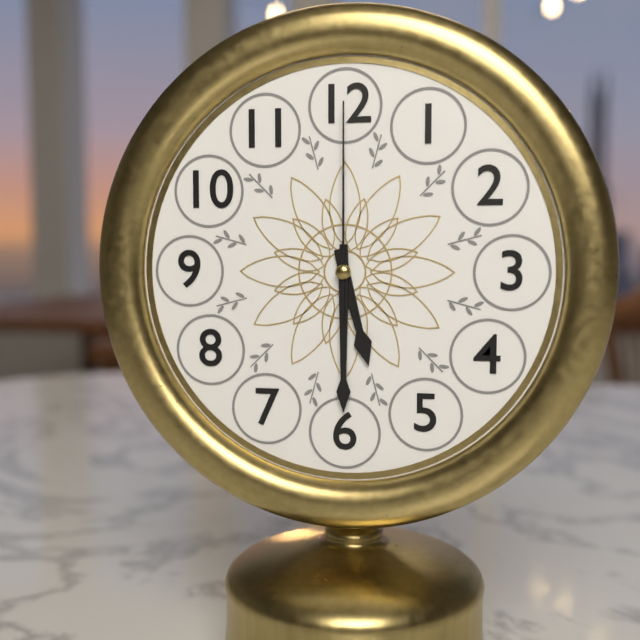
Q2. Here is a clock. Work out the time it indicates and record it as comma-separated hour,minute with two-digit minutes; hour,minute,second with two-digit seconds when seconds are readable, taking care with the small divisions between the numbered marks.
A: 5,30,00
